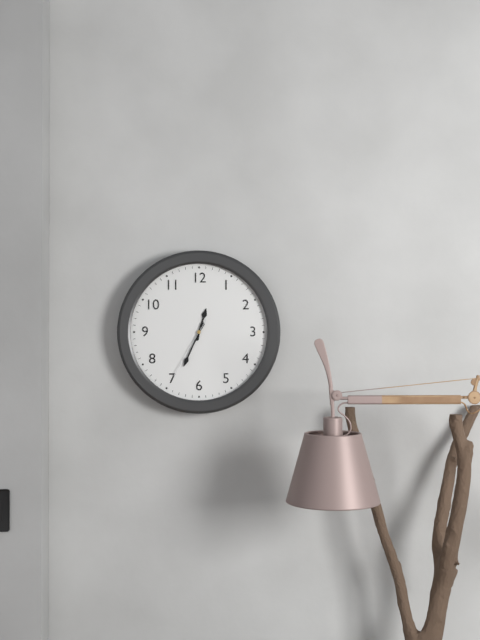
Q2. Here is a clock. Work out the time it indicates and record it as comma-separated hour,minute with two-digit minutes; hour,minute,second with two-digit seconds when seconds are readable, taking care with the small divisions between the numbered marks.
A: 12,34,35
